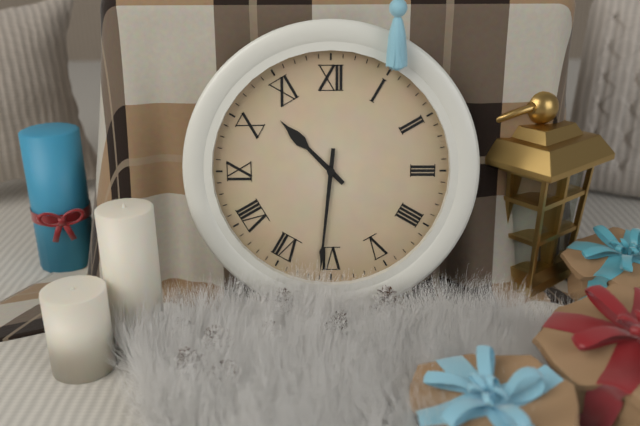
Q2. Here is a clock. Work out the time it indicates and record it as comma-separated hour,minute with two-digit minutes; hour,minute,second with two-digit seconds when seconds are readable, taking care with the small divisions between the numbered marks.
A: 10,31
